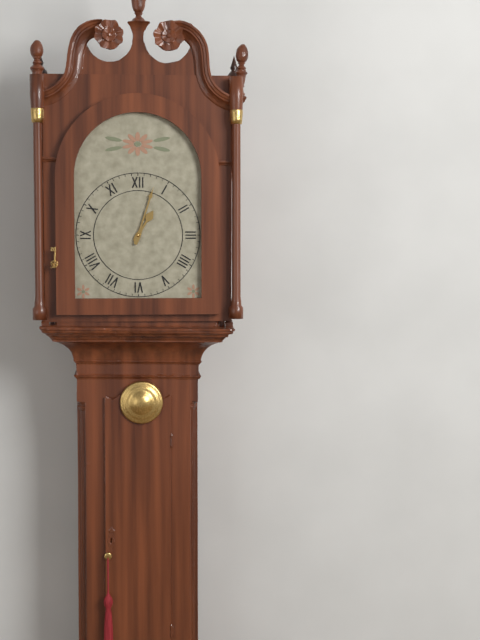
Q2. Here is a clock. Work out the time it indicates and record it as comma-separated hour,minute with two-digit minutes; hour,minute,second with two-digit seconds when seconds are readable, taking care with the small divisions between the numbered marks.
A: 1,03
